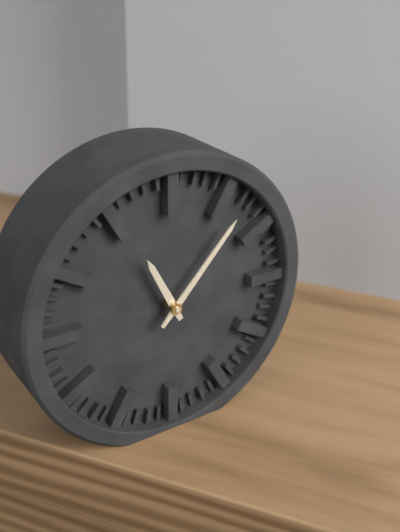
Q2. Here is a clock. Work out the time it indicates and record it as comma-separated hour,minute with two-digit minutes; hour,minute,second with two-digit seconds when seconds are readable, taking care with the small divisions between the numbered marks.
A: 11,07
